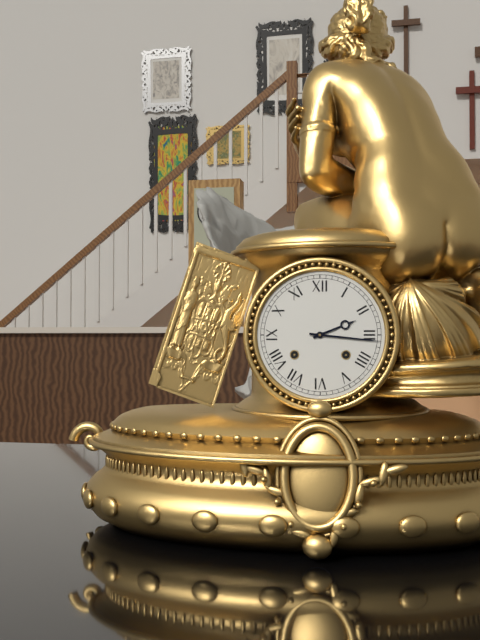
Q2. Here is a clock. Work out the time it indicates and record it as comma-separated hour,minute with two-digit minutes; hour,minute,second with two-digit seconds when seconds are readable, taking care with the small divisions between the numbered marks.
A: 2,16
